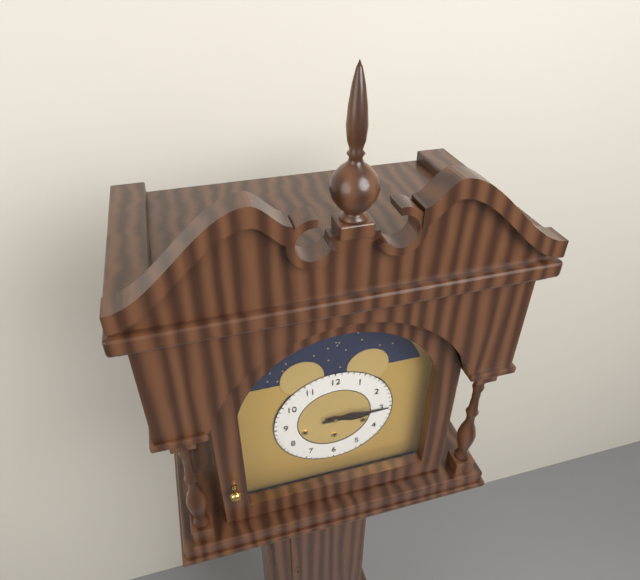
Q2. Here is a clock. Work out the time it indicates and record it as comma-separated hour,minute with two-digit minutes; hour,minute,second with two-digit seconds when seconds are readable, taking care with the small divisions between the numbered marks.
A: 3,15
